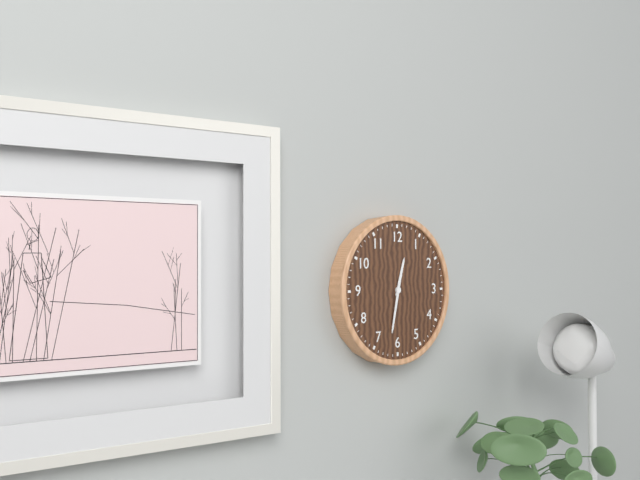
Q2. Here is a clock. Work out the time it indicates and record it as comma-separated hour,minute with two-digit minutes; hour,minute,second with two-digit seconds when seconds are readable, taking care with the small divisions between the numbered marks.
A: 12,32
